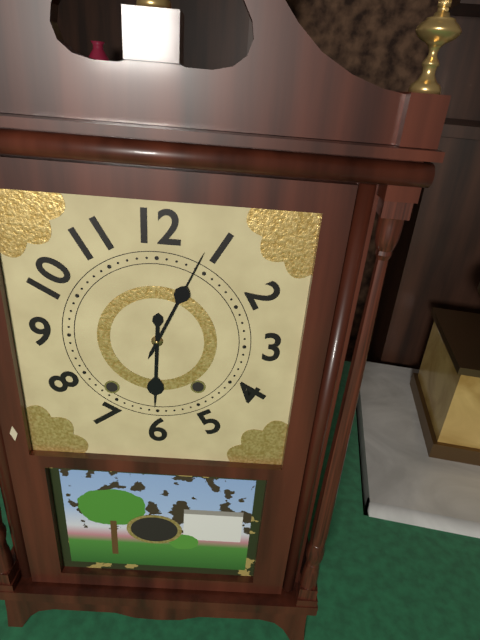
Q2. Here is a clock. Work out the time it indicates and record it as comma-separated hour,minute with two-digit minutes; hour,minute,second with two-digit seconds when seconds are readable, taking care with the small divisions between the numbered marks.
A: 6,04
